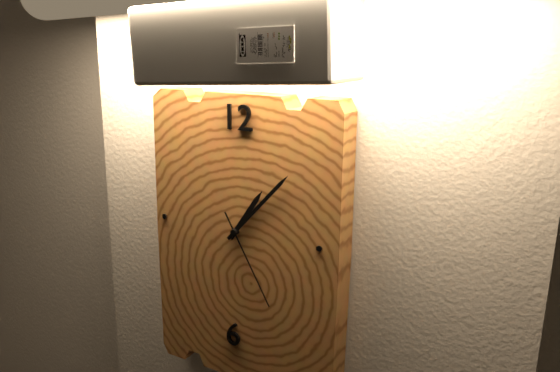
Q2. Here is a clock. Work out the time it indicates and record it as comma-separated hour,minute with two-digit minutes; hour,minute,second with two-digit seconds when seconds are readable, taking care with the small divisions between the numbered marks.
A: 1,07,25
